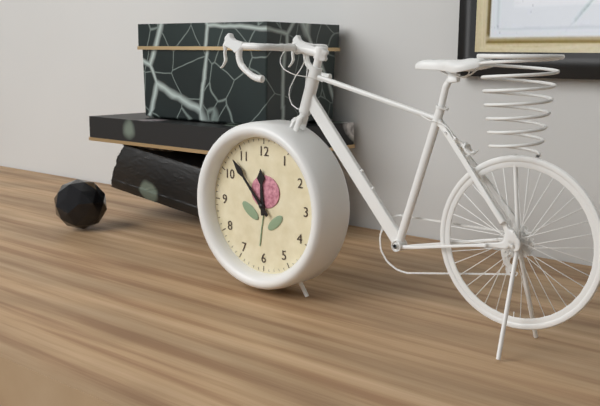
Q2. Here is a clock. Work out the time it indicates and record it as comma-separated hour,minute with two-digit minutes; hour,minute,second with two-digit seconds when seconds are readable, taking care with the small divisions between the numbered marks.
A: 11,53
